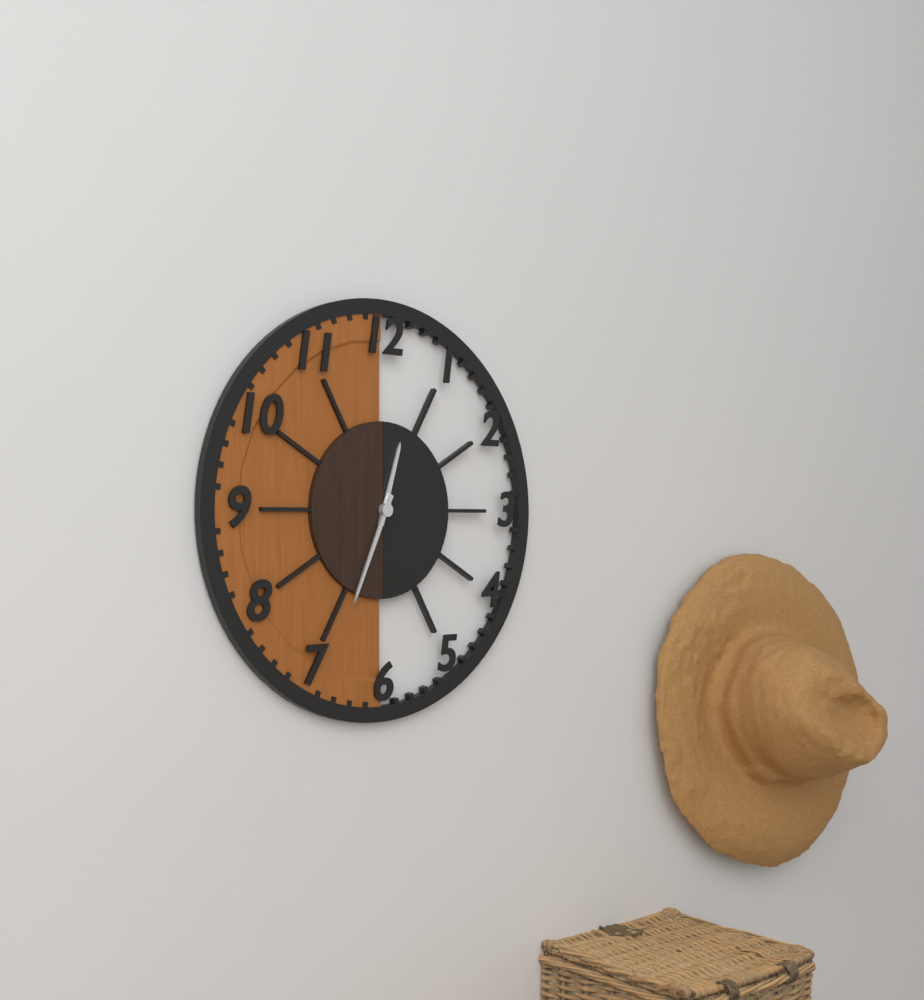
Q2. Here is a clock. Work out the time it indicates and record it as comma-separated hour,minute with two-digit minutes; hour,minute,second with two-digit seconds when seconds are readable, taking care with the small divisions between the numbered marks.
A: 12,34
